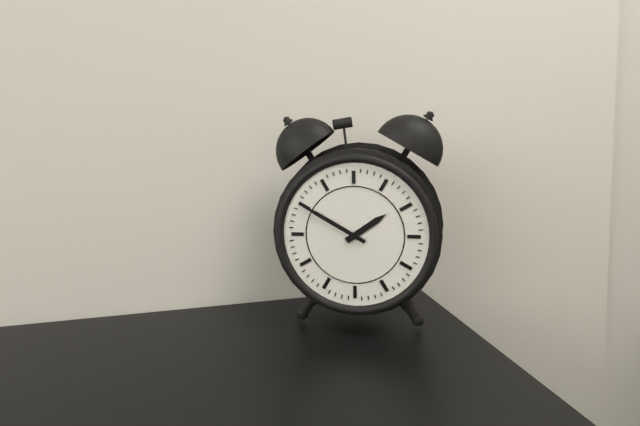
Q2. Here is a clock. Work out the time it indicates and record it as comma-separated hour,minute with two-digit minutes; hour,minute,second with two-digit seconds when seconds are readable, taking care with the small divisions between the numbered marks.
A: 1,50
